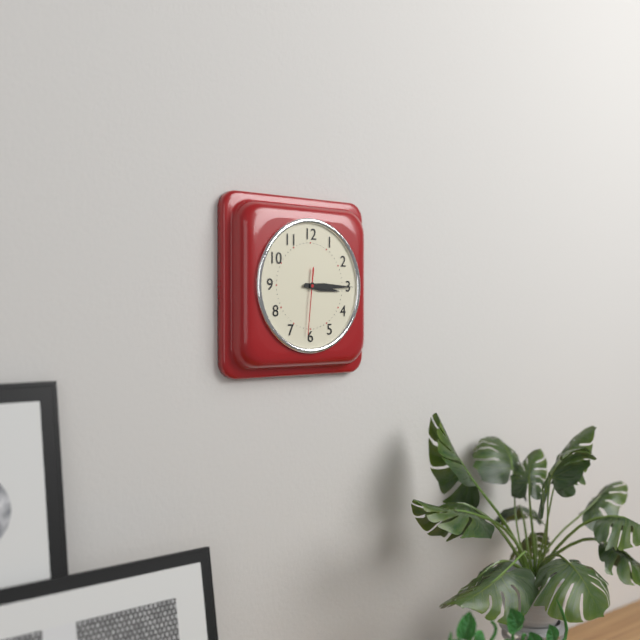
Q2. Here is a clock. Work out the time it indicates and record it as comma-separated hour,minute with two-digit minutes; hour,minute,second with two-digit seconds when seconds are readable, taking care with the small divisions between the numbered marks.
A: 3,15,31
